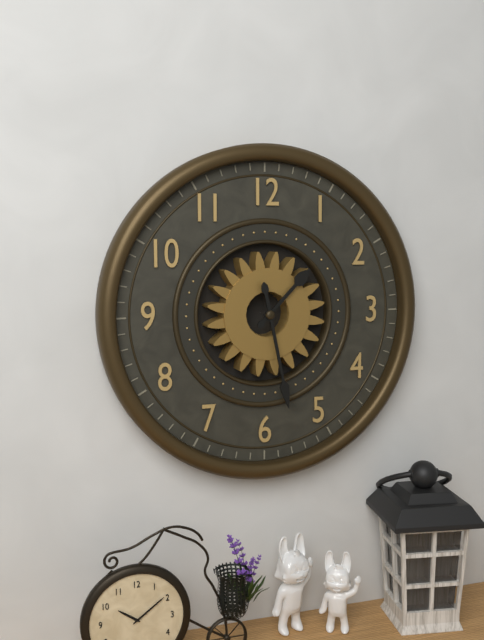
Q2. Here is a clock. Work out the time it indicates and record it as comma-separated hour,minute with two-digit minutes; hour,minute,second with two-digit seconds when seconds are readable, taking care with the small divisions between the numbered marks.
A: 1,28
